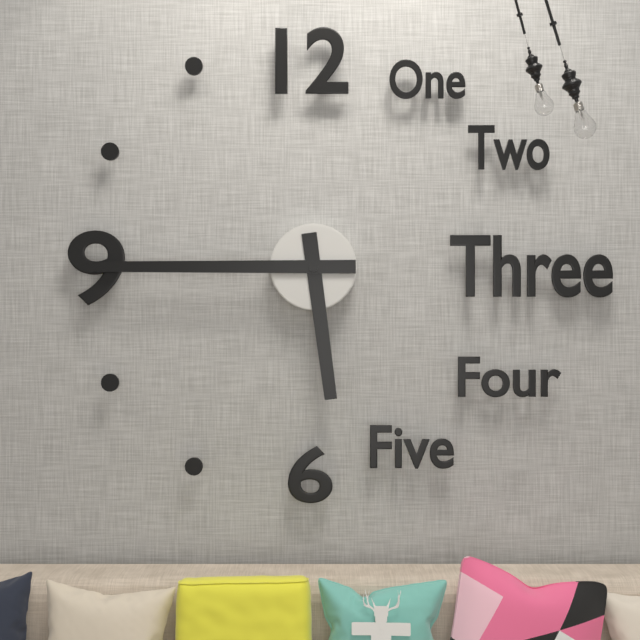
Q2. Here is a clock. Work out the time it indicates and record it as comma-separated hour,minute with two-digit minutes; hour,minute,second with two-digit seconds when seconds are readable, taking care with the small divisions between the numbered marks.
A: 5,45
